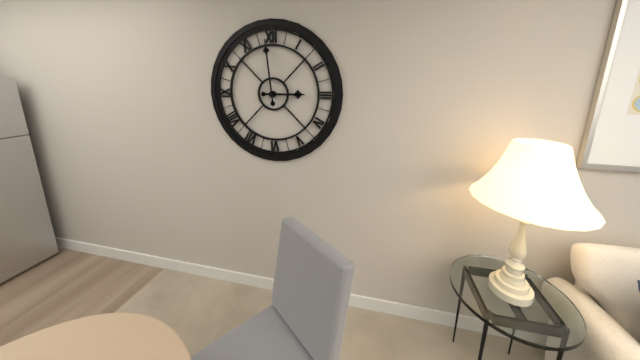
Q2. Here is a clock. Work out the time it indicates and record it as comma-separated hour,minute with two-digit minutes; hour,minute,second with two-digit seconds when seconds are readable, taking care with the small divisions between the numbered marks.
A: 2,59
